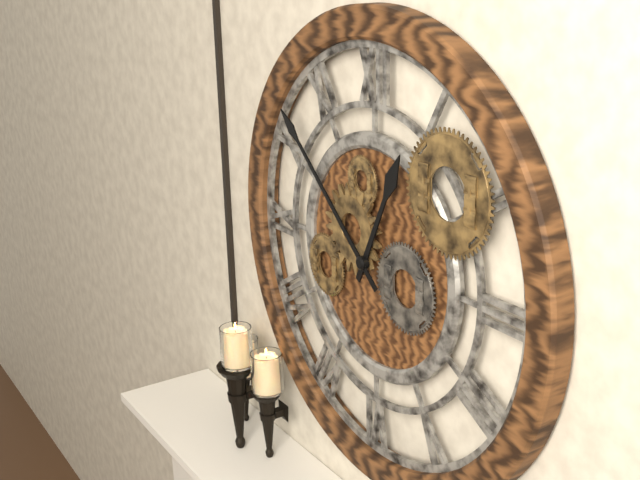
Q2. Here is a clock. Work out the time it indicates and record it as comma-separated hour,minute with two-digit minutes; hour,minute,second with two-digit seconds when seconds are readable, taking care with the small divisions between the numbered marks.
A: 12,52
